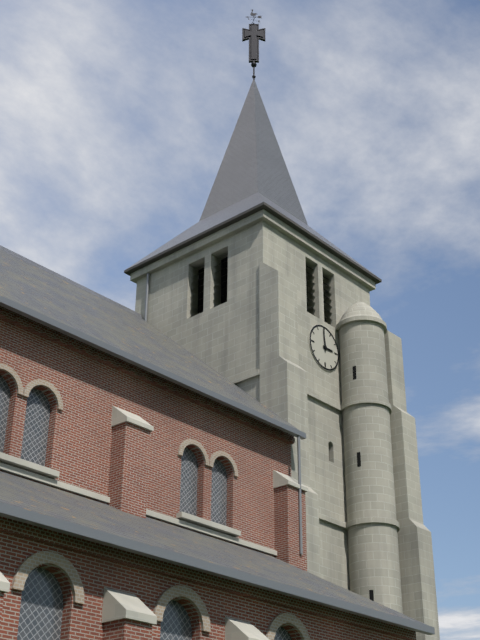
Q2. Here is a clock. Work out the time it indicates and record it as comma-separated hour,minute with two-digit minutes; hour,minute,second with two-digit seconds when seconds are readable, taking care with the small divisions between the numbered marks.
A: 2,59
